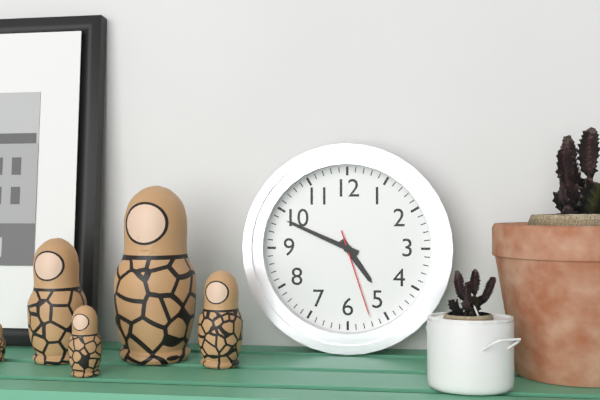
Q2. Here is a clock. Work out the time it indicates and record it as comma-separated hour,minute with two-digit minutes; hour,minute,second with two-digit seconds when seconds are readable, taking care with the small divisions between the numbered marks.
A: 4,49,27
